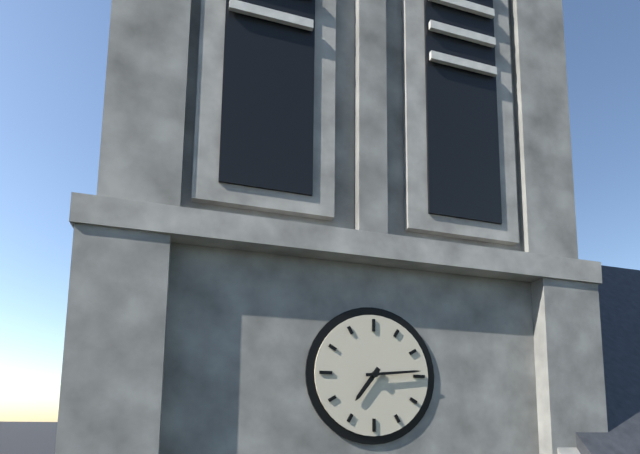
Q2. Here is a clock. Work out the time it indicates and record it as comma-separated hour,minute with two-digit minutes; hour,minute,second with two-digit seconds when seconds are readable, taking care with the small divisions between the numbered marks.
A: 7,14
